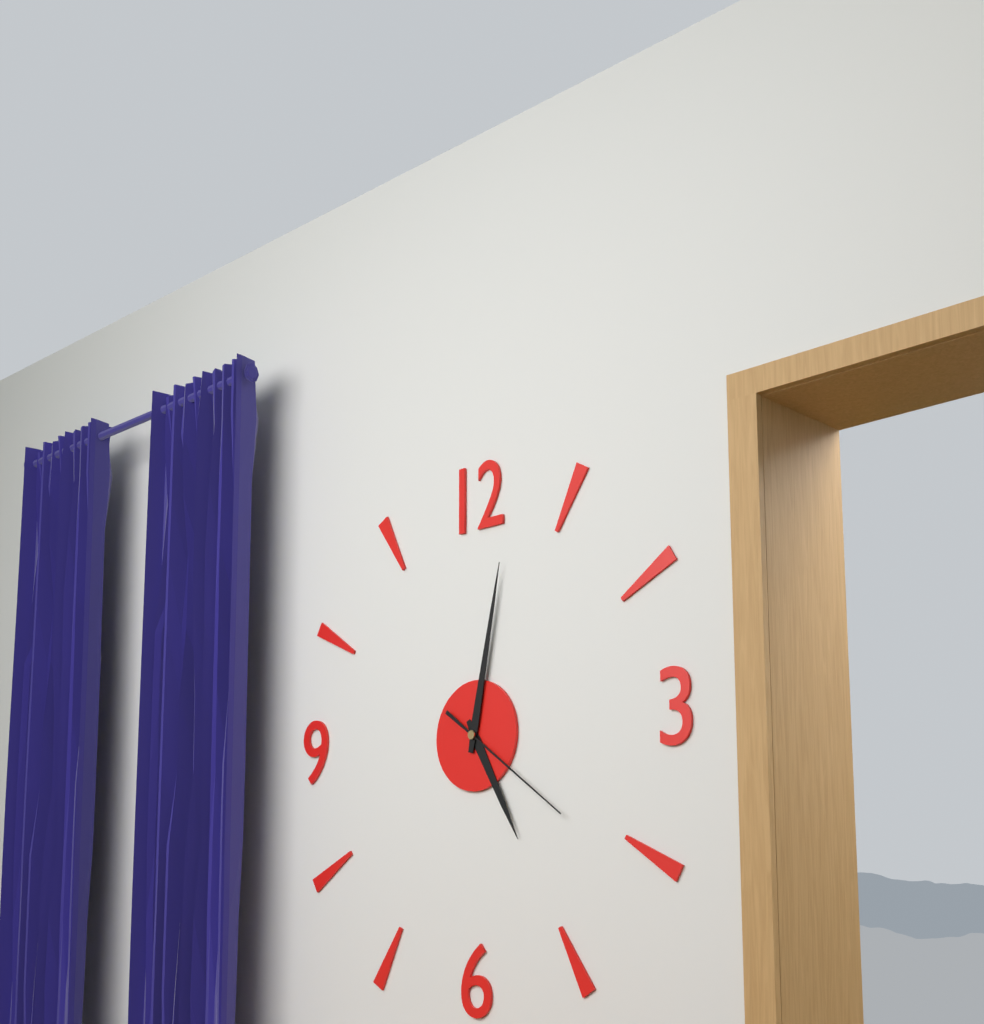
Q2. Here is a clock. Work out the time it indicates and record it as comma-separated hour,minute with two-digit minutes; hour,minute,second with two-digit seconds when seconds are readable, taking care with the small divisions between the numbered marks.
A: 5,02,21
